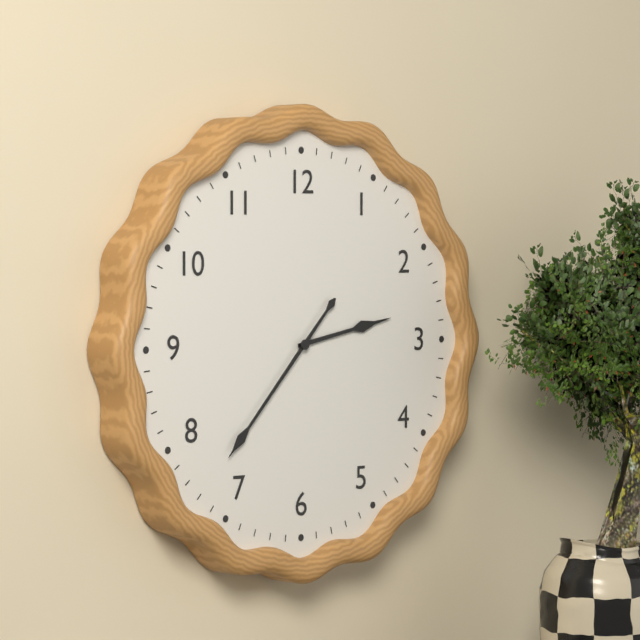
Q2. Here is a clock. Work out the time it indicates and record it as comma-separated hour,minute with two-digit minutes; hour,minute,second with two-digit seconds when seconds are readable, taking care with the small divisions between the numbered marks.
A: 2,37
